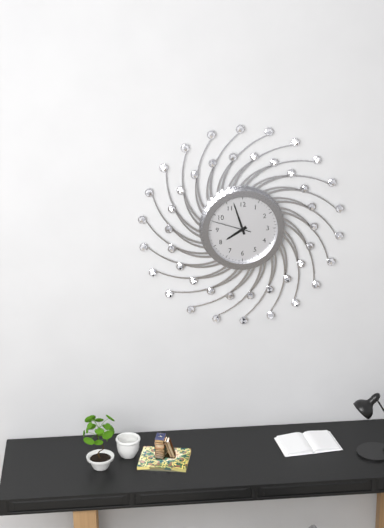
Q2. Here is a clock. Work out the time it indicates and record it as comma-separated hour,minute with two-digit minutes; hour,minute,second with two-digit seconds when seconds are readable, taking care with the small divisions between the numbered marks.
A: 7,57
